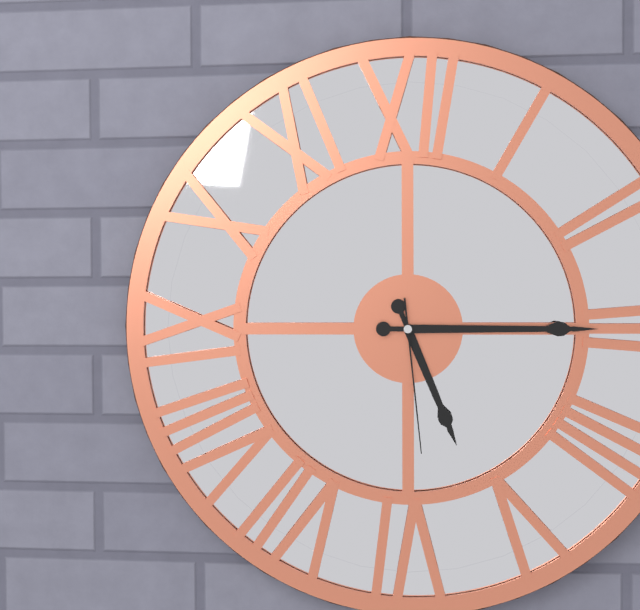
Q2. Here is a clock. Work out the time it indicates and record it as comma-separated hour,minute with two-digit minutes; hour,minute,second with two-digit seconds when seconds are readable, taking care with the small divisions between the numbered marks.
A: 5,15,29
